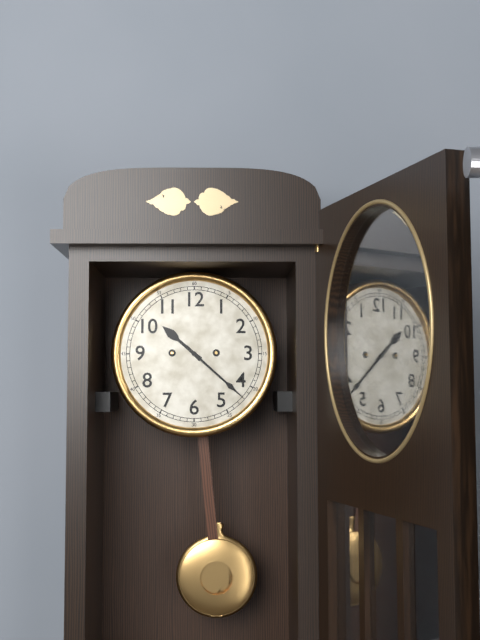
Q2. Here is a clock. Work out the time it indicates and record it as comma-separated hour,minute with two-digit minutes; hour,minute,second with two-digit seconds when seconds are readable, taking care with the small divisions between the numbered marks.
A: 10,22
